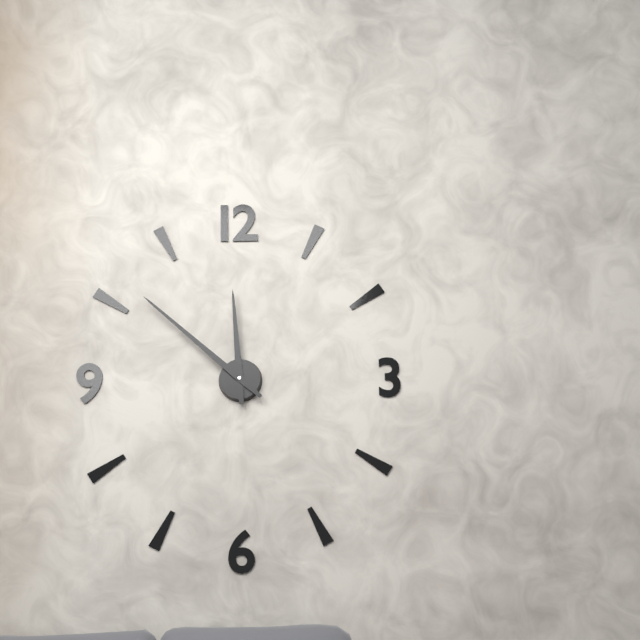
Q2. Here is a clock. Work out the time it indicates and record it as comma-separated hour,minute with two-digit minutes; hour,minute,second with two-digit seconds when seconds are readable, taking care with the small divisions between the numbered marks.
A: 11,52
